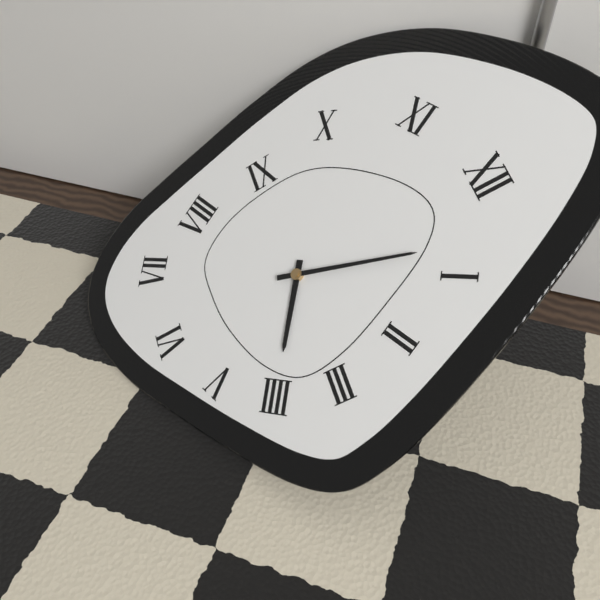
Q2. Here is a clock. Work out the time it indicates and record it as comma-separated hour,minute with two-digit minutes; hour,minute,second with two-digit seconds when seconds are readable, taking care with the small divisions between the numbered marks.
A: 4,03
